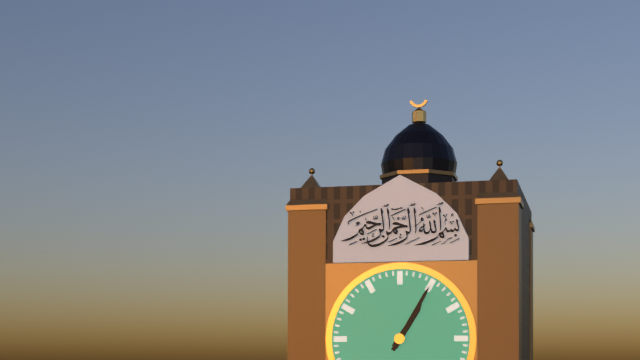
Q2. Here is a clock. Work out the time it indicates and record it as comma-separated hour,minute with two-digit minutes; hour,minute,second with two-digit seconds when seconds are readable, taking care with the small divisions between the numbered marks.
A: 1,05
